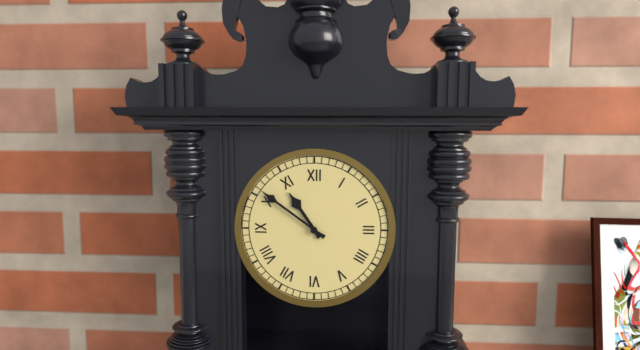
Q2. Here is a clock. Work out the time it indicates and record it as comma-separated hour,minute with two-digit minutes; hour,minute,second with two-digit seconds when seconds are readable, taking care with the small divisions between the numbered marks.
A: 10,51
